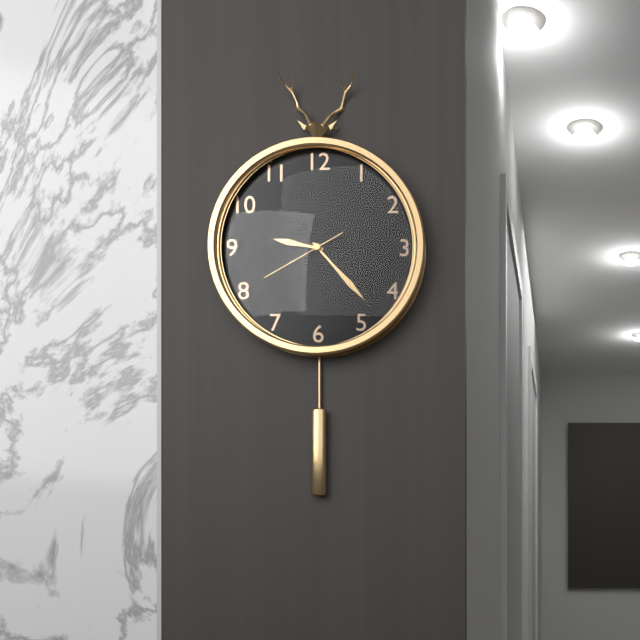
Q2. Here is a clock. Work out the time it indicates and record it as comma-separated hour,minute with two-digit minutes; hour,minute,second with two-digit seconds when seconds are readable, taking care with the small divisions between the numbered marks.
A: 9,23,40
